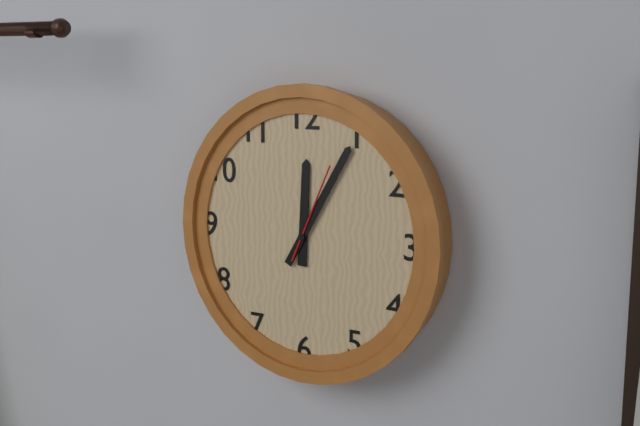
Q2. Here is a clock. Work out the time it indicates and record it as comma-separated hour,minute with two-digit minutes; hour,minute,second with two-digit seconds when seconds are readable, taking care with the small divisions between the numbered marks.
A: 12,05,04
